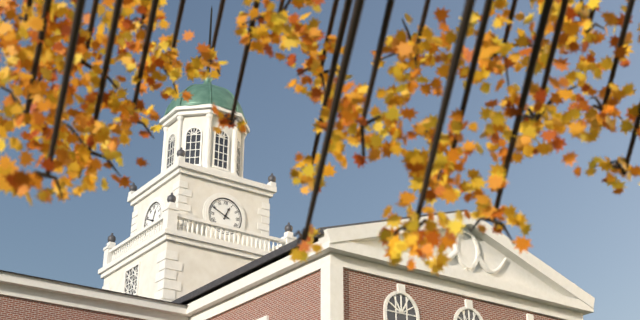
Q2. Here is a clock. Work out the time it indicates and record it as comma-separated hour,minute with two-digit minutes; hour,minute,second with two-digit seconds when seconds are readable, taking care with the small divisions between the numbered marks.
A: 12,49
